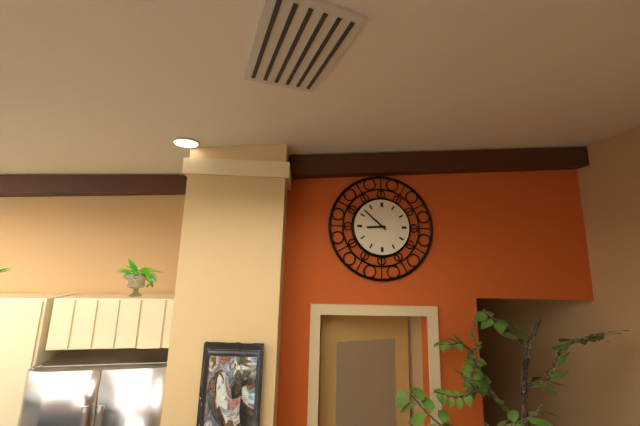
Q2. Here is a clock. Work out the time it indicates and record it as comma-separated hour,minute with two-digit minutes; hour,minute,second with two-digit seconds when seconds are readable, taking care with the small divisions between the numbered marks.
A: 8,52
